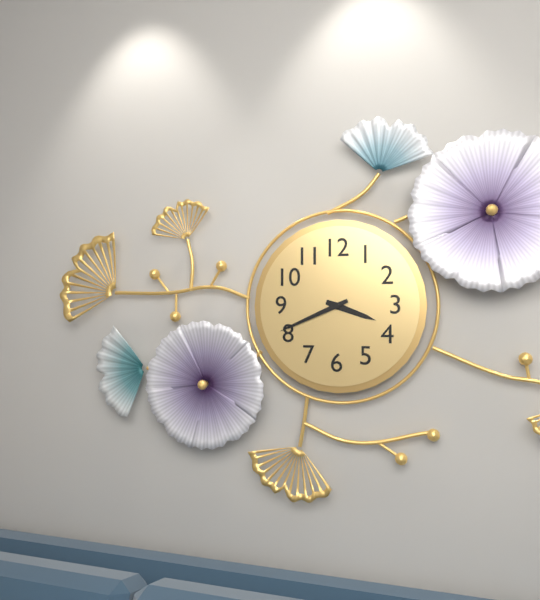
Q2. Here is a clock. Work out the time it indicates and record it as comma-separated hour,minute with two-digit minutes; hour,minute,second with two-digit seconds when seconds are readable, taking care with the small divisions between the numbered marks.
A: 3,41
